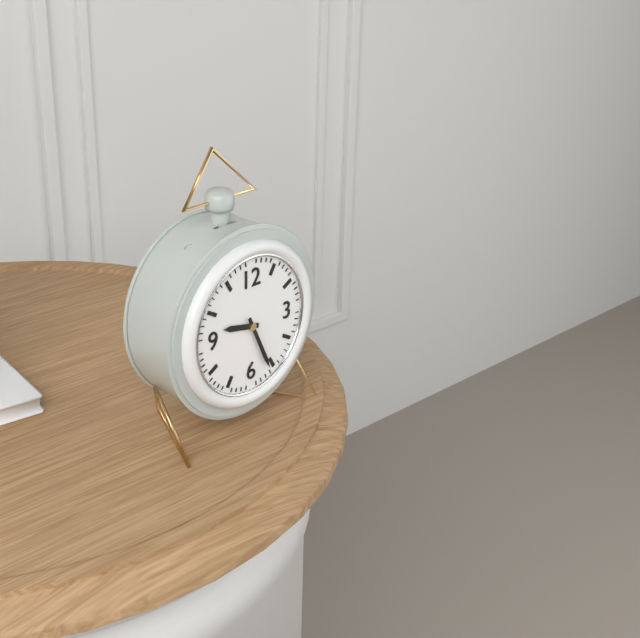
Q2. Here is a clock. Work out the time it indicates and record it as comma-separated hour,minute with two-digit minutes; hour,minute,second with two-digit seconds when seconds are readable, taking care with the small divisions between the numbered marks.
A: 9,26
